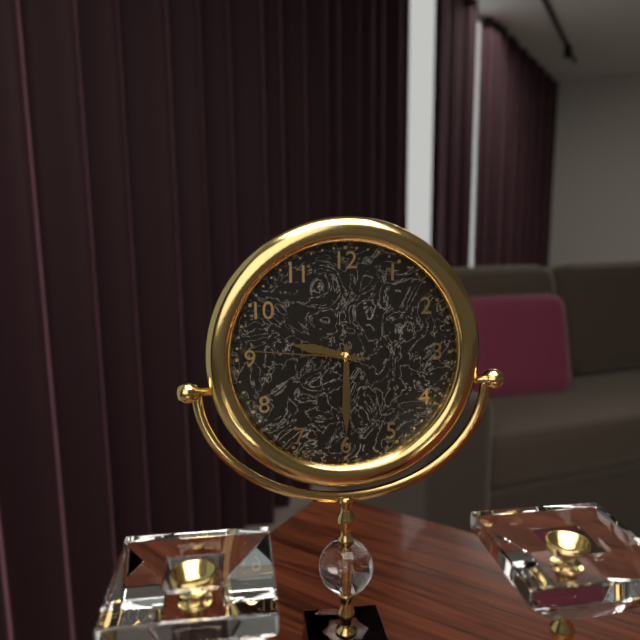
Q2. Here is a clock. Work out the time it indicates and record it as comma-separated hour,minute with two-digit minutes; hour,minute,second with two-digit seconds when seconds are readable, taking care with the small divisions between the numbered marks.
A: 9,30,46
